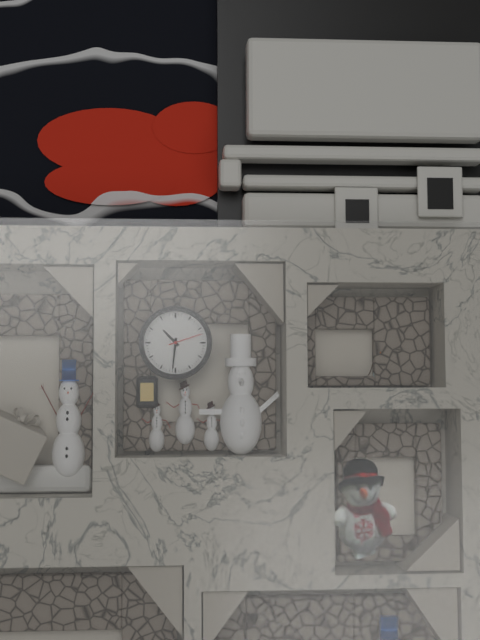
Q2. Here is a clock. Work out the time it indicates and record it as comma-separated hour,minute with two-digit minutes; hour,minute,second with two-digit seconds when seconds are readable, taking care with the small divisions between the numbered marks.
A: 10,31
